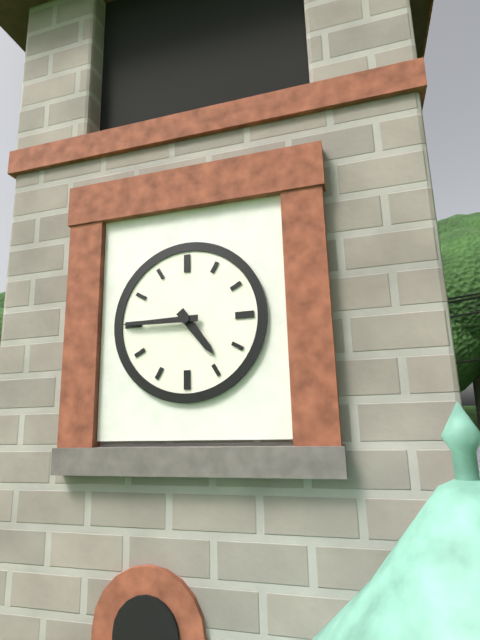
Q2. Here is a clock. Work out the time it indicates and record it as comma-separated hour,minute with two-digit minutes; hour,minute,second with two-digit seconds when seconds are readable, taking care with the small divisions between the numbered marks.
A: 4,45
